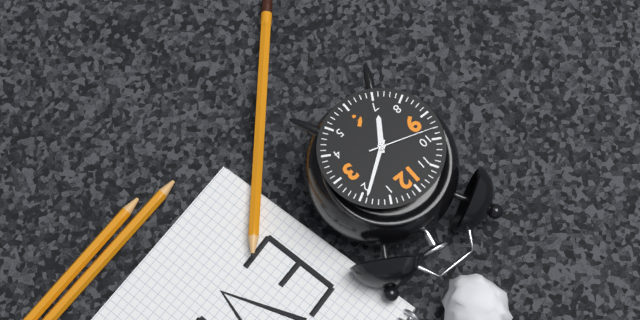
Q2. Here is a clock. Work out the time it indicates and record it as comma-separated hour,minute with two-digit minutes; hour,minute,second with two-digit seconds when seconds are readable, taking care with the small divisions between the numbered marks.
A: 7,09,48
